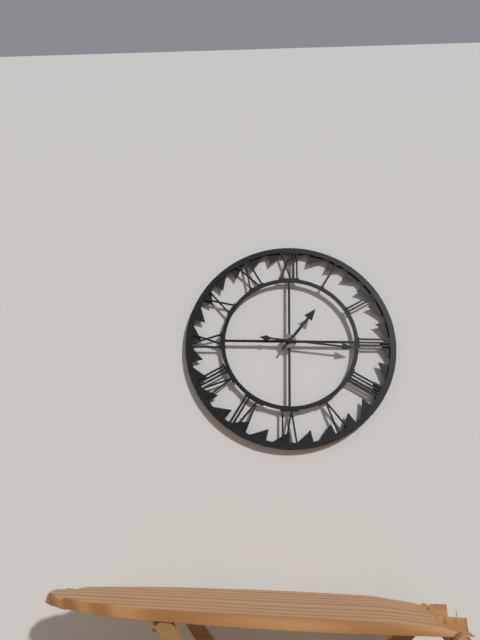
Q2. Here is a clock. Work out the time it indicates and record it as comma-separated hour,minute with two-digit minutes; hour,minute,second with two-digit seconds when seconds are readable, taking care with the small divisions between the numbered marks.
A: 1,16
